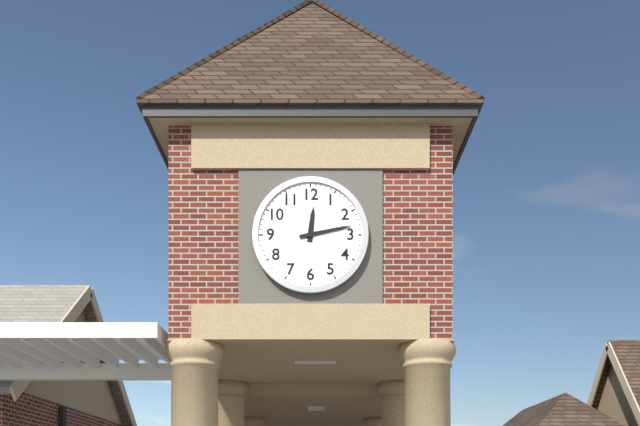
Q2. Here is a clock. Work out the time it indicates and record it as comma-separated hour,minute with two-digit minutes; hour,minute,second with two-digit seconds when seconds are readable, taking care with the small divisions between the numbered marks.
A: 12,13
